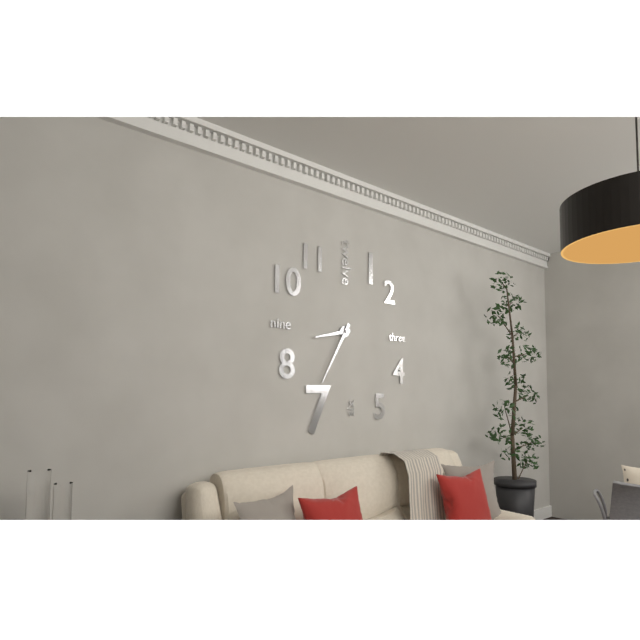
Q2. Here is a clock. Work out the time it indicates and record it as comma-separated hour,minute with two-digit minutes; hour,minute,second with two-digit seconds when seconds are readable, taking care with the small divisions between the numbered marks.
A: 8,35
